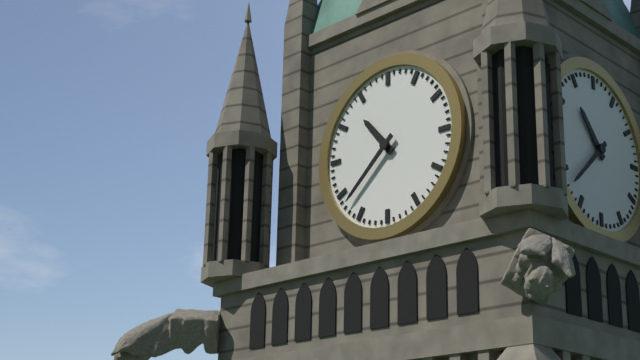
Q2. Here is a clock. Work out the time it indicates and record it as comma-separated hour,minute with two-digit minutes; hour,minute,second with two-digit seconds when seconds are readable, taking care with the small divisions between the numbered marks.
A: 10,38
